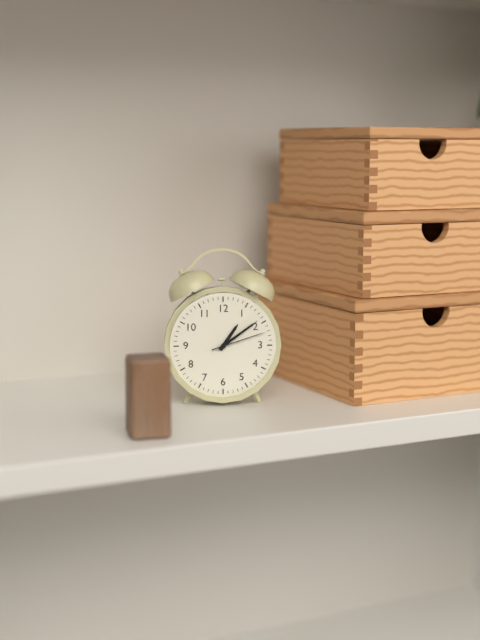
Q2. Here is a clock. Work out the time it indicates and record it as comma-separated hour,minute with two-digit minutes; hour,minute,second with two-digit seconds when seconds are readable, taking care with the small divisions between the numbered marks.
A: 1,09,12
